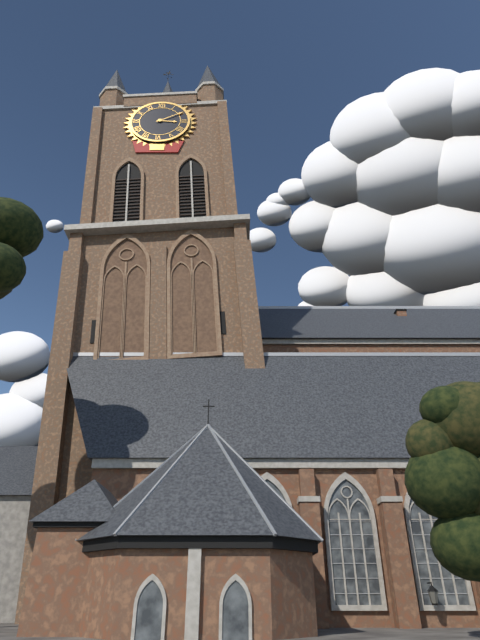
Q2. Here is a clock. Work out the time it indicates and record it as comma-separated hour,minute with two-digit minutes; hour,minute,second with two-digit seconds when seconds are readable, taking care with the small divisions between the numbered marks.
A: 3,10
